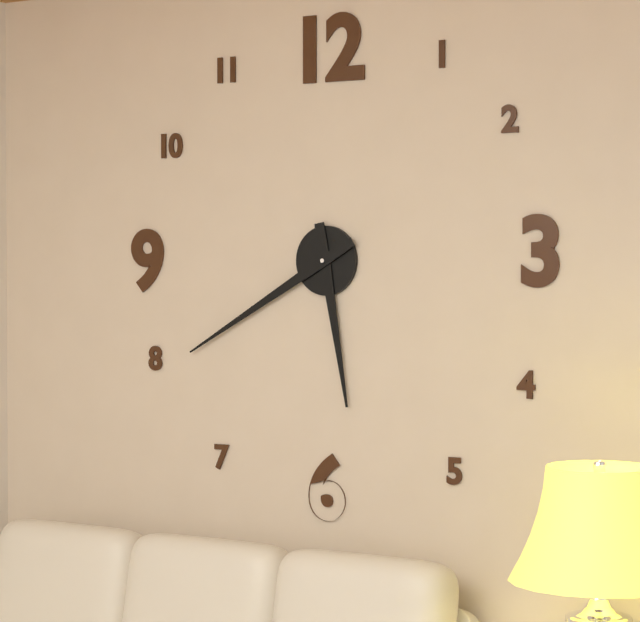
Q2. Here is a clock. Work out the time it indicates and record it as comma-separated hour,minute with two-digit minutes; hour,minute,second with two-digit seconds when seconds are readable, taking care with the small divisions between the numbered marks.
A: 5,40
